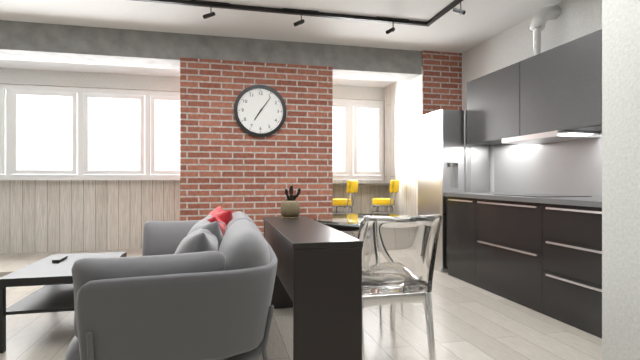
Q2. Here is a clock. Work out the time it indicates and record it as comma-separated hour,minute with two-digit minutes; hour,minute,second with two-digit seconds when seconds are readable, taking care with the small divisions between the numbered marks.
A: 7,06
